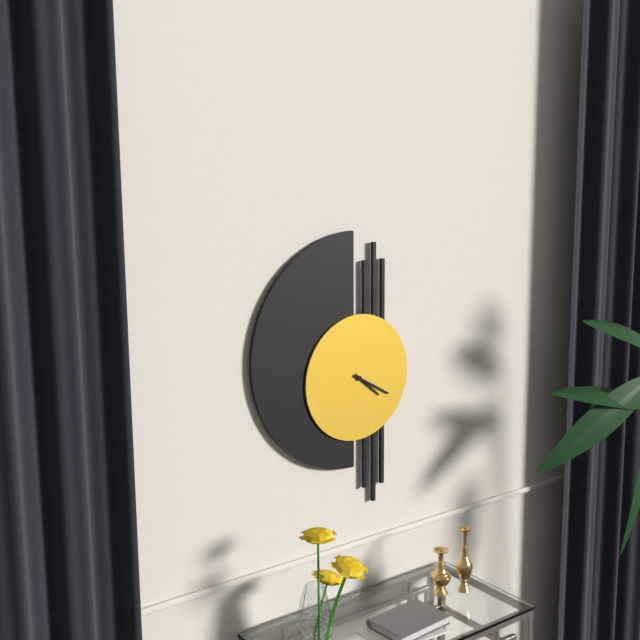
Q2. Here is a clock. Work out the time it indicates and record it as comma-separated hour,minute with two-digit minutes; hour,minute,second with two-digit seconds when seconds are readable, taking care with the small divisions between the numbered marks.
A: 4,20
